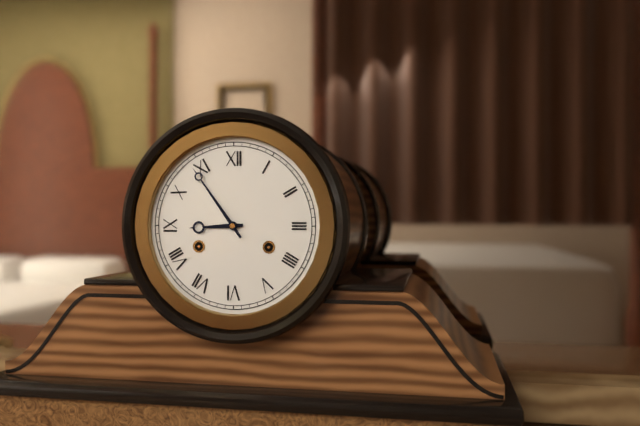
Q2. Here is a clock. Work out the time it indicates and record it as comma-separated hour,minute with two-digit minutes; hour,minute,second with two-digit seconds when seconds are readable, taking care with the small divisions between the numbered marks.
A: 8,54
